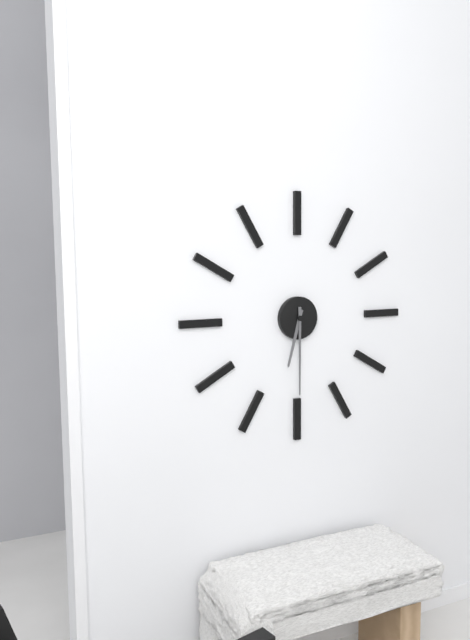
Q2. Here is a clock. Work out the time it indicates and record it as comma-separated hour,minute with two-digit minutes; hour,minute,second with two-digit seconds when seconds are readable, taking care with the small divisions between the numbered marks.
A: 6,30
